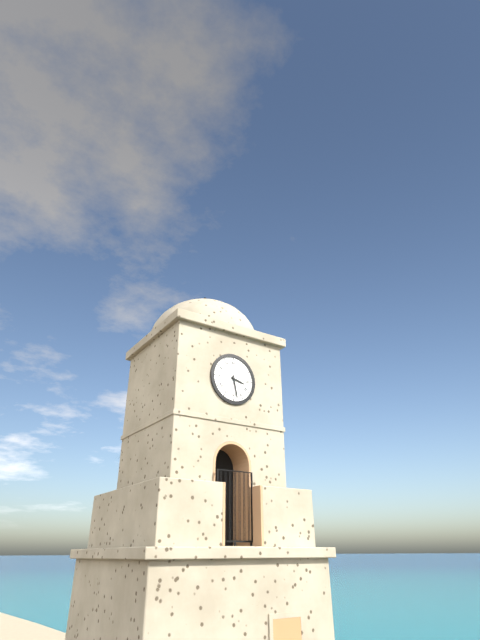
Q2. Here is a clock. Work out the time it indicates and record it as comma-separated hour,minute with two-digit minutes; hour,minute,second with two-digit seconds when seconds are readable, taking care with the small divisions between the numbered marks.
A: 3,28
